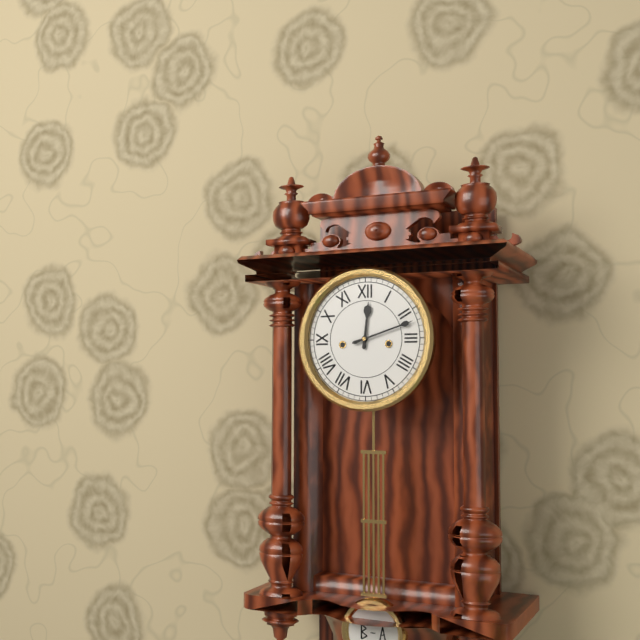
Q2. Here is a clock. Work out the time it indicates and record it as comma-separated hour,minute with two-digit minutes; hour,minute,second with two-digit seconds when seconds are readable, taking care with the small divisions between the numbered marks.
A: 12,12
